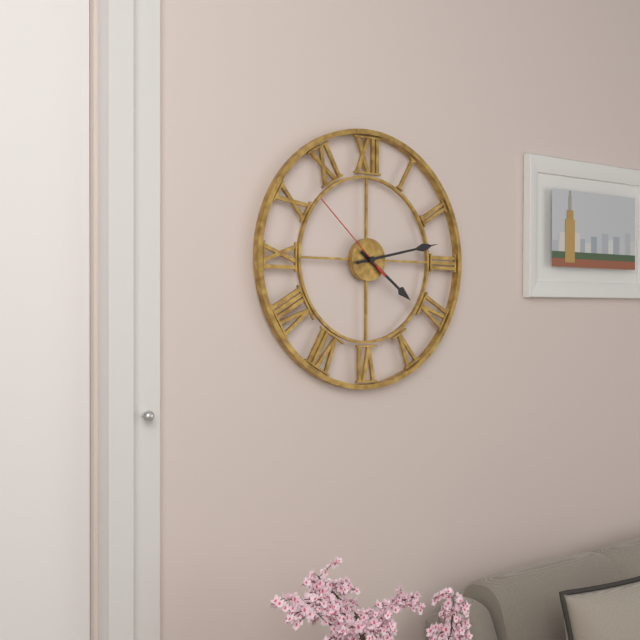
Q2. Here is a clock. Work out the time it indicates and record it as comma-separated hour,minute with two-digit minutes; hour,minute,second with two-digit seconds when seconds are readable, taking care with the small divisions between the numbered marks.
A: 4,13,52
